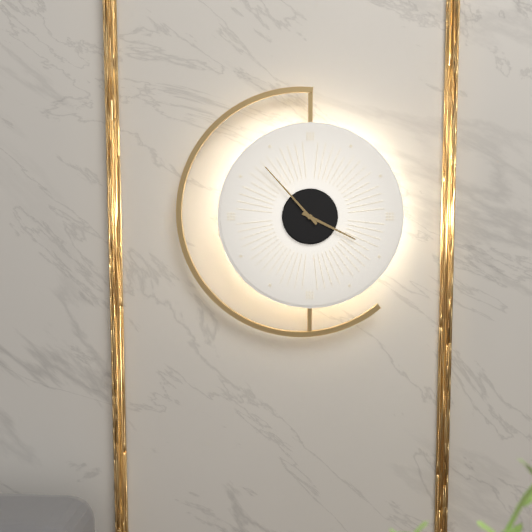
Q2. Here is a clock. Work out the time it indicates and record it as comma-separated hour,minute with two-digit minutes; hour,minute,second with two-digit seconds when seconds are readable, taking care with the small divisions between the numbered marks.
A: 3,53
